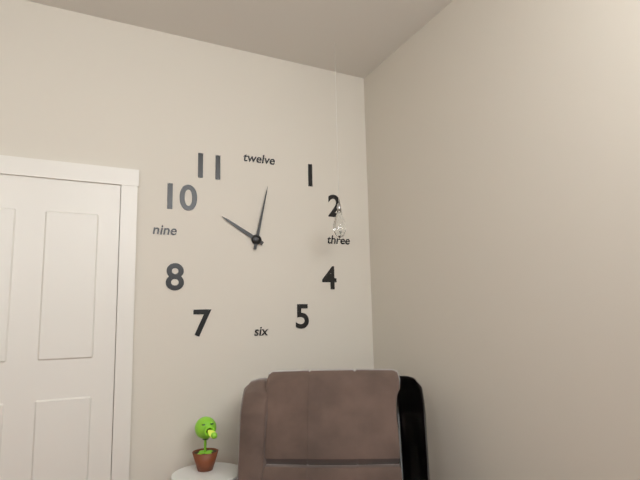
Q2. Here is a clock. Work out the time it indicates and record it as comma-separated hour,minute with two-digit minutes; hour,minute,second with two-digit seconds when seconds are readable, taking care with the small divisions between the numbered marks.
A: 10,02
